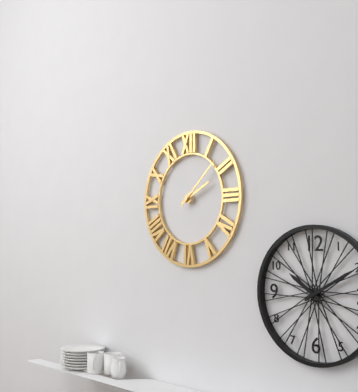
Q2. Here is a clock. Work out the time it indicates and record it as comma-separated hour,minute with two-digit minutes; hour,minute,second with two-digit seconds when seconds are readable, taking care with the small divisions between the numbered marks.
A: 2,08
